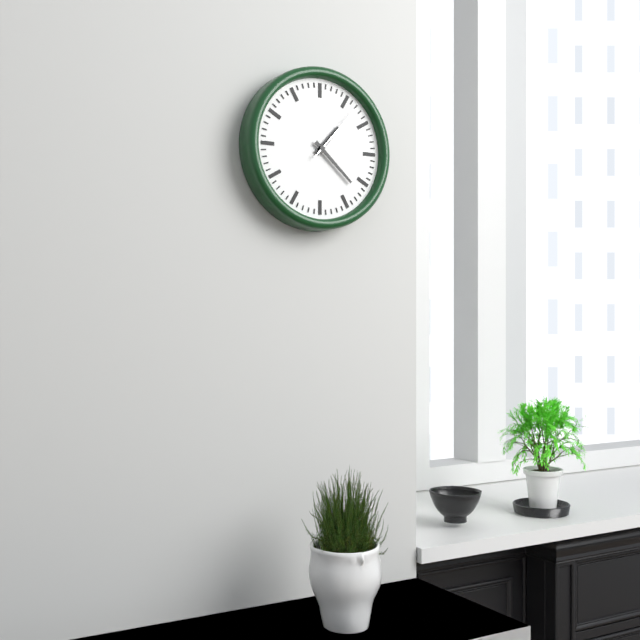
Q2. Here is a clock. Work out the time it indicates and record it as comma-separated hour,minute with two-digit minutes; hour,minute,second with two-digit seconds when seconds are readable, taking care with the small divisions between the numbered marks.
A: 1,22,07
